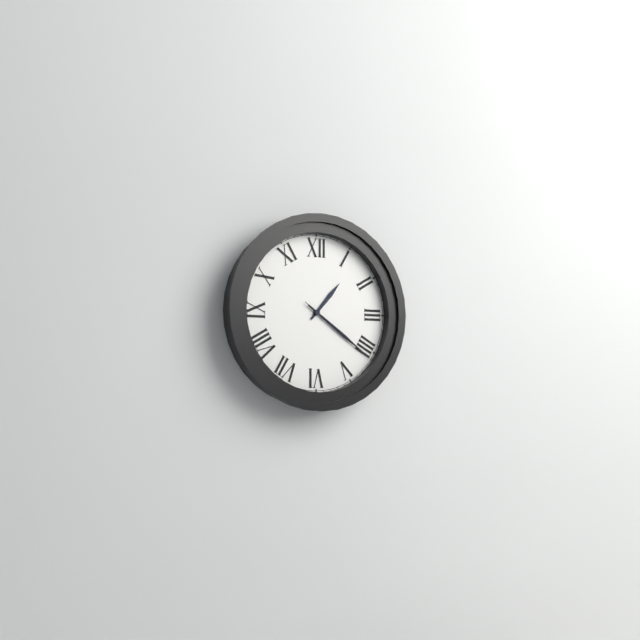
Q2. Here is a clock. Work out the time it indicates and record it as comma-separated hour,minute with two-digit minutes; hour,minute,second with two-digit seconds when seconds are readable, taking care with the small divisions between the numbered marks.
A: 1,21,21
